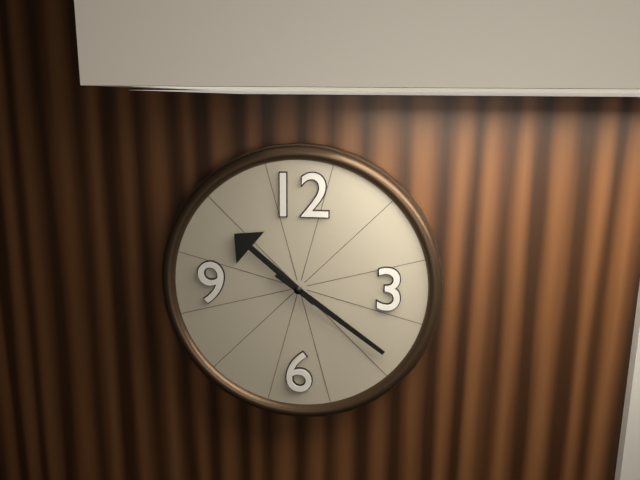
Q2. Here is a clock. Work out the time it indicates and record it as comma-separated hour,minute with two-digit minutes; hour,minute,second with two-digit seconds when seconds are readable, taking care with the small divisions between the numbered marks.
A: 10,21
